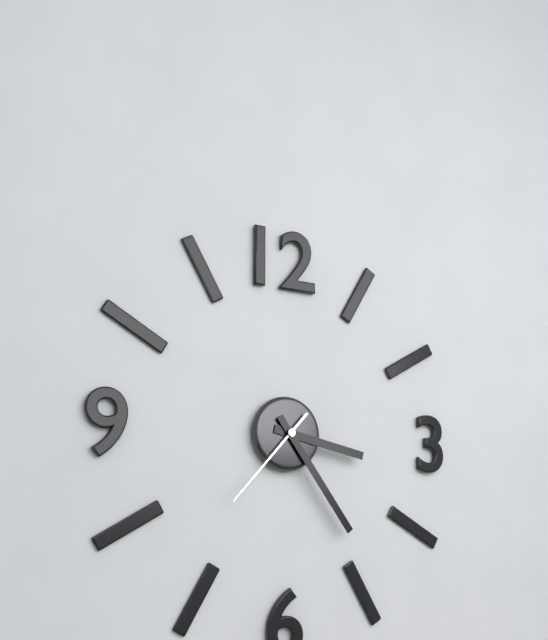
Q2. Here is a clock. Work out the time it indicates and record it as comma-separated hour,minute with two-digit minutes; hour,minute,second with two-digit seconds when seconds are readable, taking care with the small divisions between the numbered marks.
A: 3,24,37
